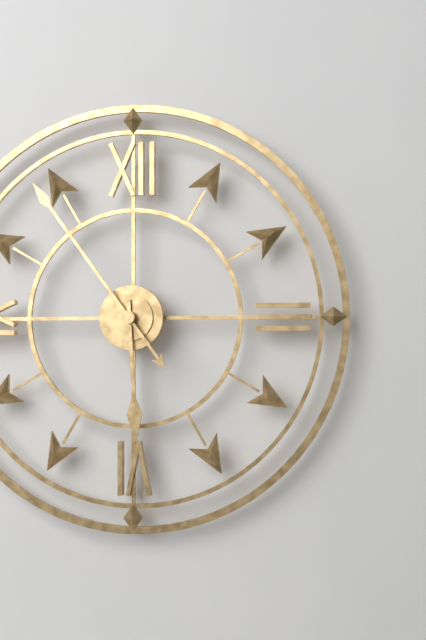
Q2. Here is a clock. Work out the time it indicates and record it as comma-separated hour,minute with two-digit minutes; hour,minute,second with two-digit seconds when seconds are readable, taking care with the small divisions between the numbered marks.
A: 5,54
